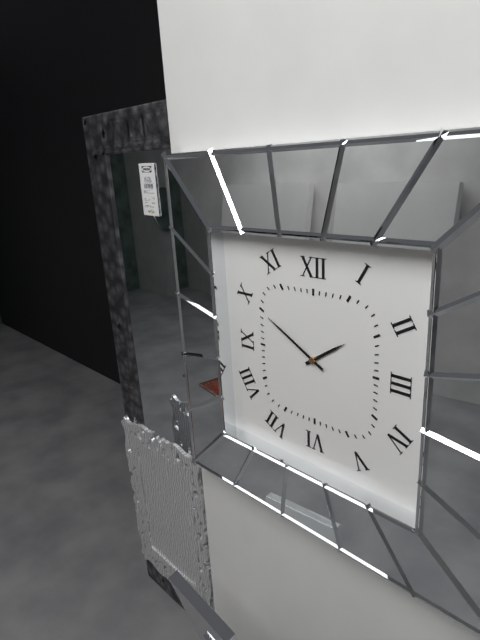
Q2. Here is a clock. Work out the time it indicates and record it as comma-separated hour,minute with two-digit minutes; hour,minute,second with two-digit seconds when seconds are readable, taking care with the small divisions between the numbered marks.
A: 1,50
